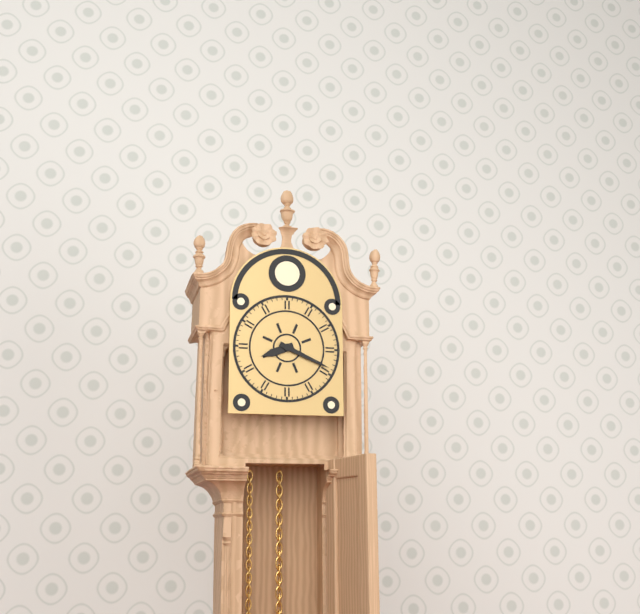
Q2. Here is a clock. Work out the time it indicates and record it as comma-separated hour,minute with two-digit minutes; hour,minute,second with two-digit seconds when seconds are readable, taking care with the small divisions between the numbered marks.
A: 8,19
